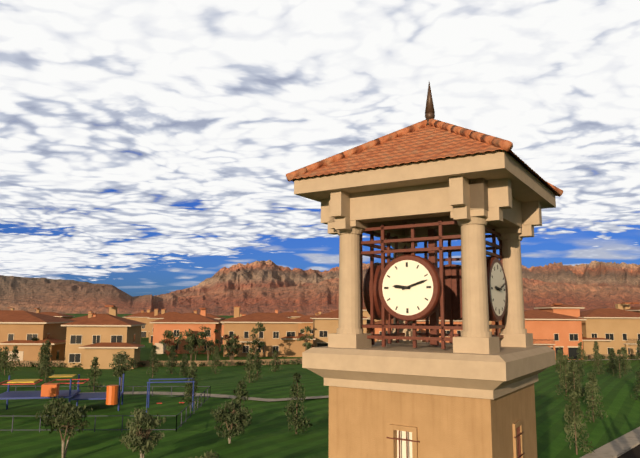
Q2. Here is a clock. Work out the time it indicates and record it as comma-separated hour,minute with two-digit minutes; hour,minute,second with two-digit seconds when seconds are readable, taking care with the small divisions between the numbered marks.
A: 9,12
